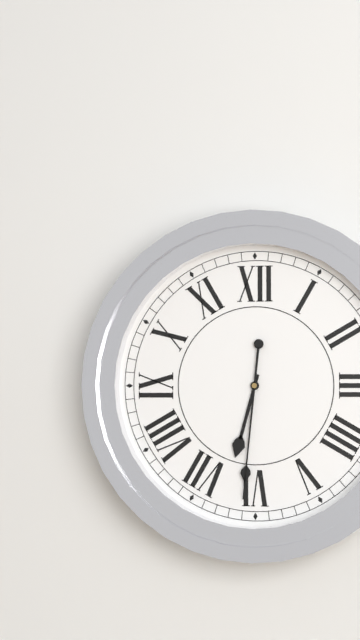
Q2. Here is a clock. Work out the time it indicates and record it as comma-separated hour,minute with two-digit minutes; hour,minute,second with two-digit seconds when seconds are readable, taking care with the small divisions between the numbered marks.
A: 6,31
